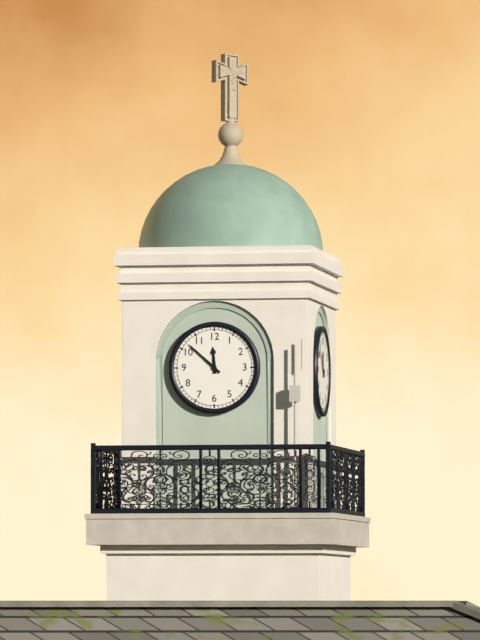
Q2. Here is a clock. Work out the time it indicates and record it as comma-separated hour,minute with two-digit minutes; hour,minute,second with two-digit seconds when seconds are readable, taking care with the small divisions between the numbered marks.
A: 11,52
